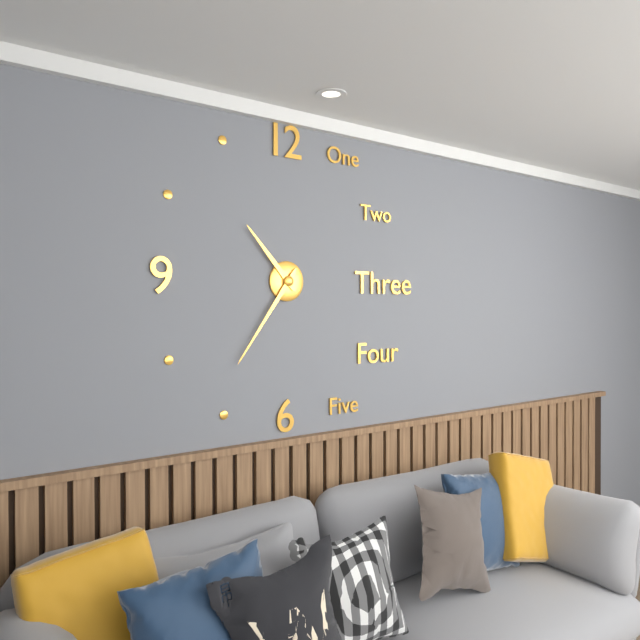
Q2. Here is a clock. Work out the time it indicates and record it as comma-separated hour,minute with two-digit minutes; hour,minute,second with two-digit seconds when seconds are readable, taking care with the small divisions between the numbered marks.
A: 10,36
